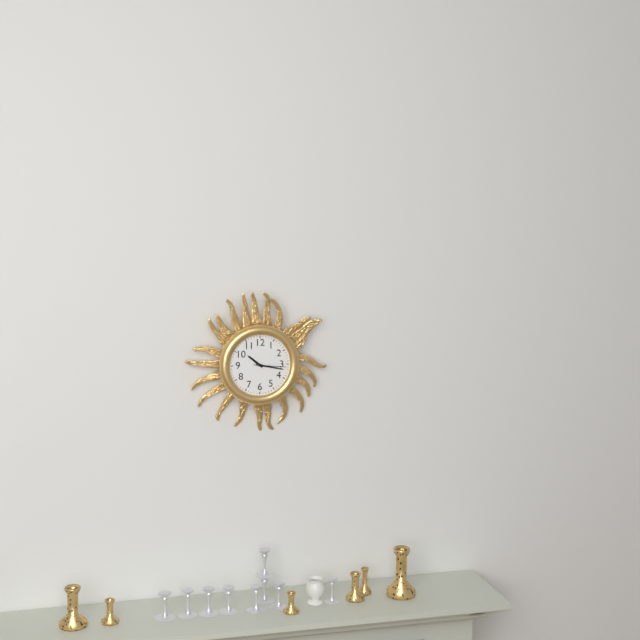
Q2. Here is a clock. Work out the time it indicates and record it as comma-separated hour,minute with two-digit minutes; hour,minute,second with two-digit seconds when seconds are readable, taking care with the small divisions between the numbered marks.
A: 10,17
